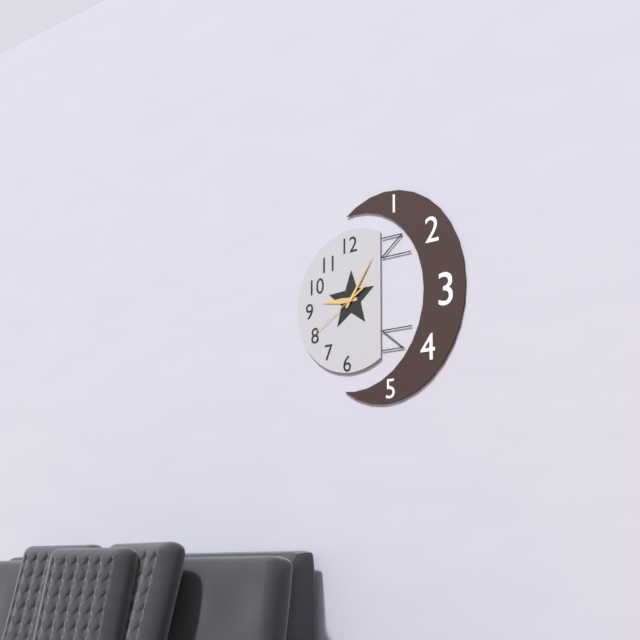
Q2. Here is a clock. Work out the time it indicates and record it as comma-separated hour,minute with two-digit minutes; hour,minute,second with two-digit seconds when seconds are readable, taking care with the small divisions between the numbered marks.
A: 9,06,40
